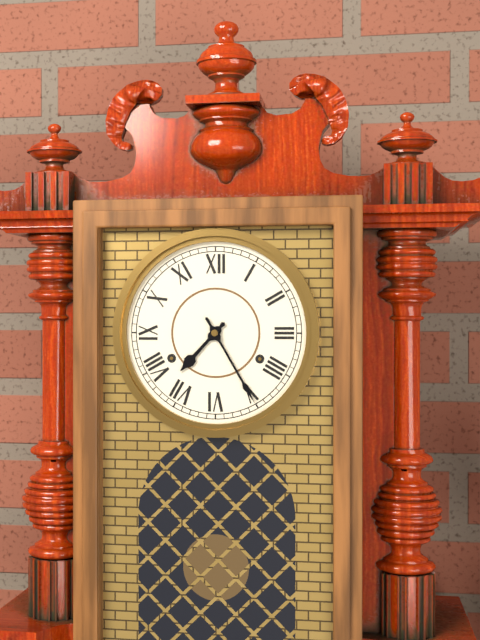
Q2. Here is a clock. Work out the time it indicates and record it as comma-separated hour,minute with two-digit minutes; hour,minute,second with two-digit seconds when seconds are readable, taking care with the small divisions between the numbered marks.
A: 7,25
